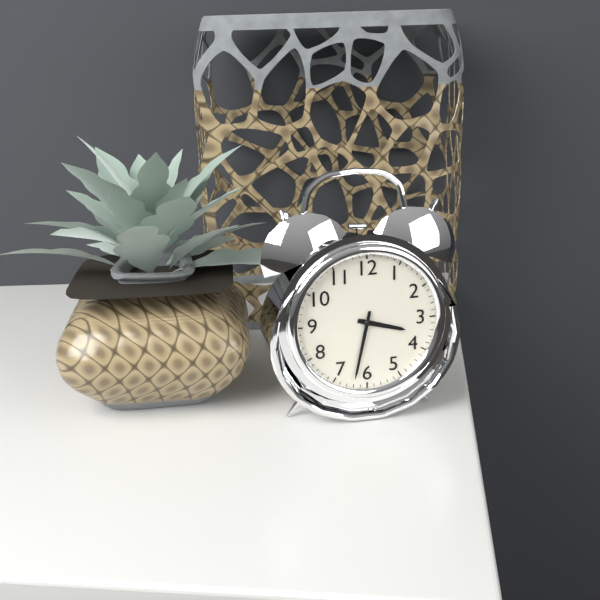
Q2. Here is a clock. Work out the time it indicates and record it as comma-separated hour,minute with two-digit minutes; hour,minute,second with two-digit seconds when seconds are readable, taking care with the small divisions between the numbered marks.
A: 3,32
